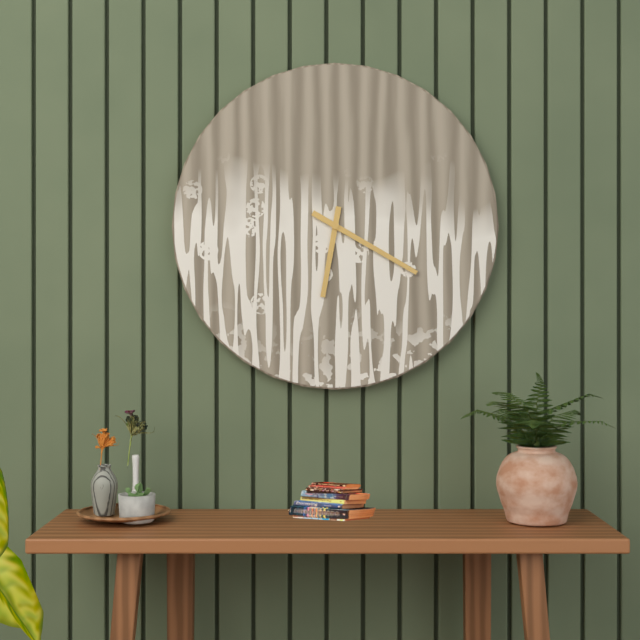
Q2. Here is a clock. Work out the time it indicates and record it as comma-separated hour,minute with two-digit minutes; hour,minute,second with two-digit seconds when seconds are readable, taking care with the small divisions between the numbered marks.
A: 6,20
